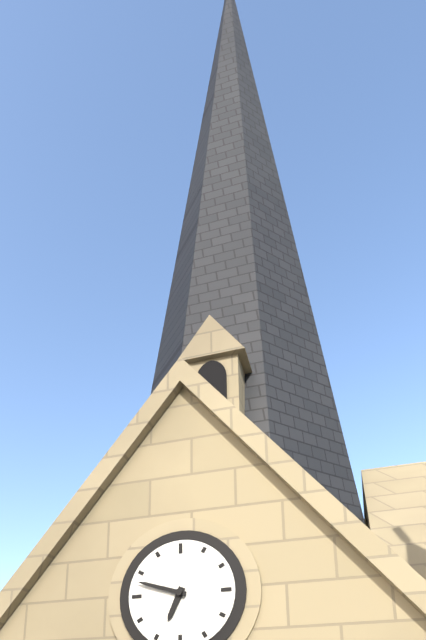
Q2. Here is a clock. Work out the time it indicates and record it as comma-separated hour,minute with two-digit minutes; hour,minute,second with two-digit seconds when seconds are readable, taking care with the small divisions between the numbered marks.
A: 6,48
